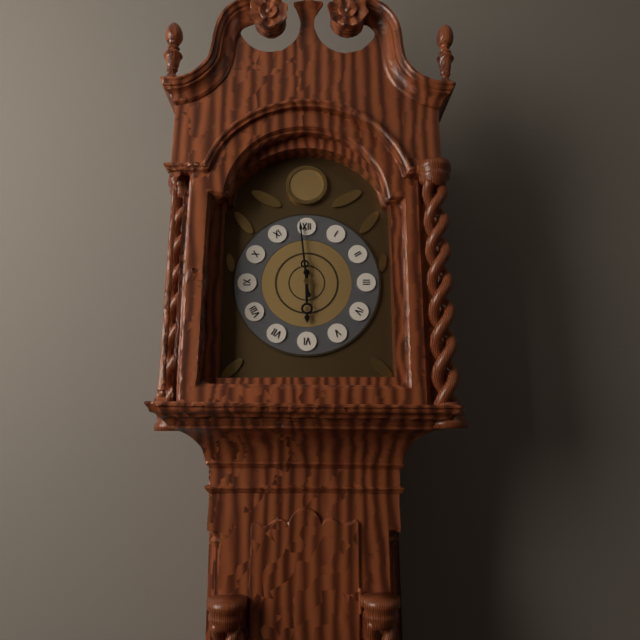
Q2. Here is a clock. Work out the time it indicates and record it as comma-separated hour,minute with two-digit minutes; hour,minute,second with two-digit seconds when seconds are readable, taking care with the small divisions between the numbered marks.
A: 5,59
